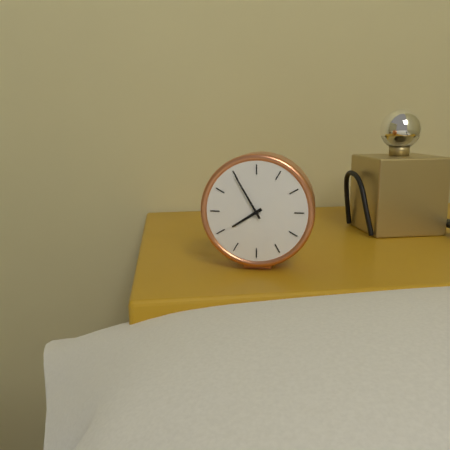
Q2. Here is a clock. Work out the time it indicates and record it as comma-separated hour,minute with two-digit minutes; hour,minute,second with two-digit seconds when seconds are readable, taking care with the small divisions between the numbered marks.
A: 7,55
